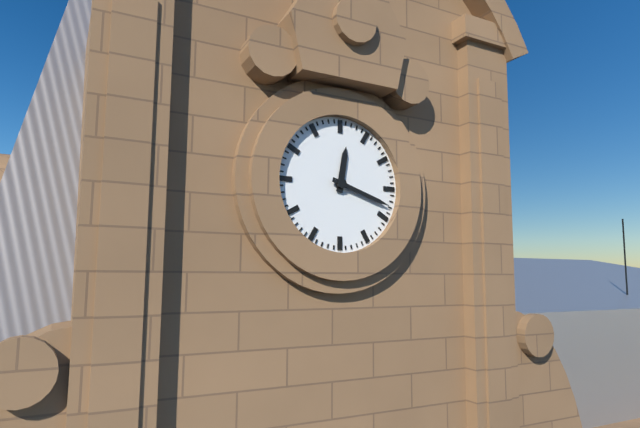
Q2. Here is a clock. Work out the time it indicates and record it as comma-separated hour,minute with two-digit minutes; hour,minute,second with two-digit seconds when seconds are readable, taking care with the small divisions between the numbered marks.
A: 12,18
